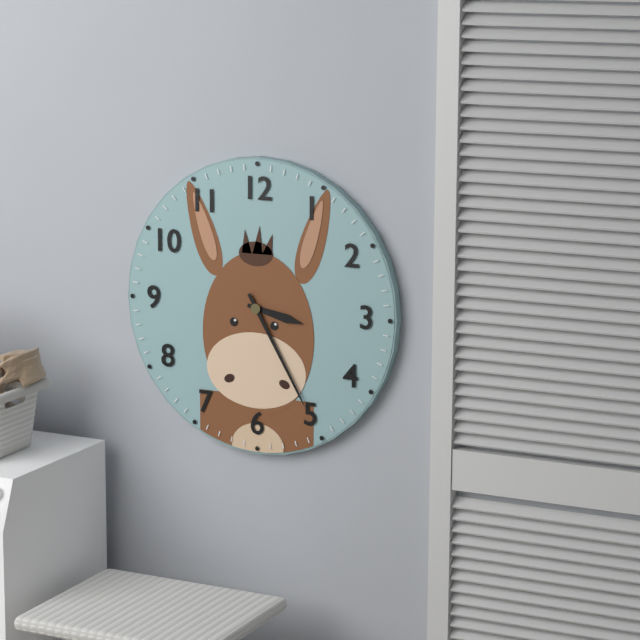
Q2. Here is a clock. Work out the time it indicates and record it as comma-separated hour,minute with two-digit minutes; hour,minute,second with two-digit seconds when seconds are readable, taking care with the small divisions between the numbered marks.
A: 3,25
